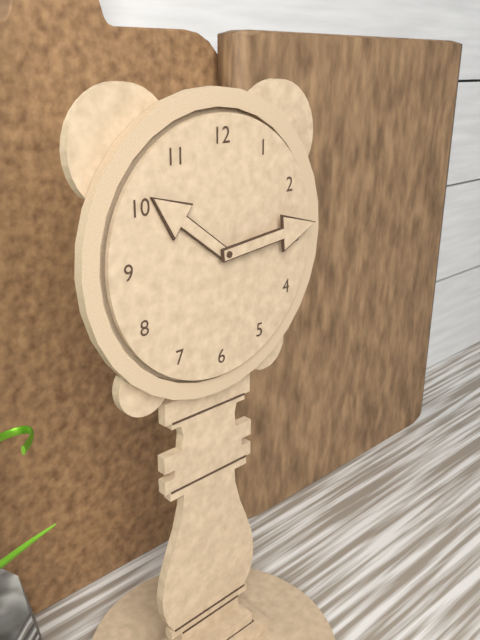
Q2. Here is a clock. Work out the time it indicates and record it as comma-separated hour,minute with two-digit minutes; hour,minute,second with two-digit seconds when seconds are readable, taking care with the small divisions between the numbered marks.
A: 10,14
